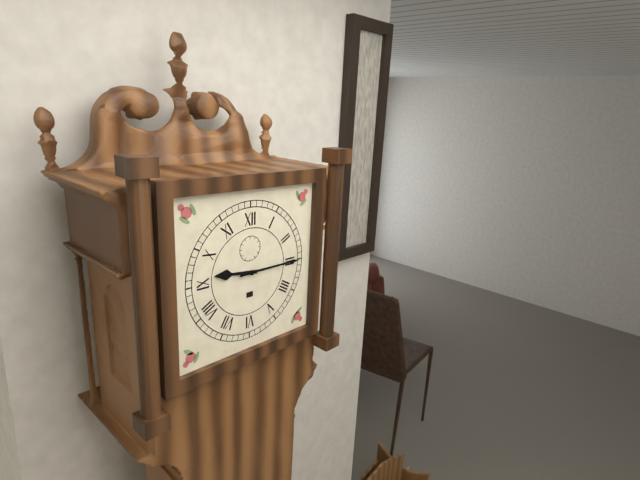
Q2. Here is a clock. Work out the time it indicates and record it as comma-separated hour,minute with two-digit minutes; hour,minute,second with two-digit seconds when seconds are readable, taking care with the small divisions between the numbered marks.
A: 9,15
